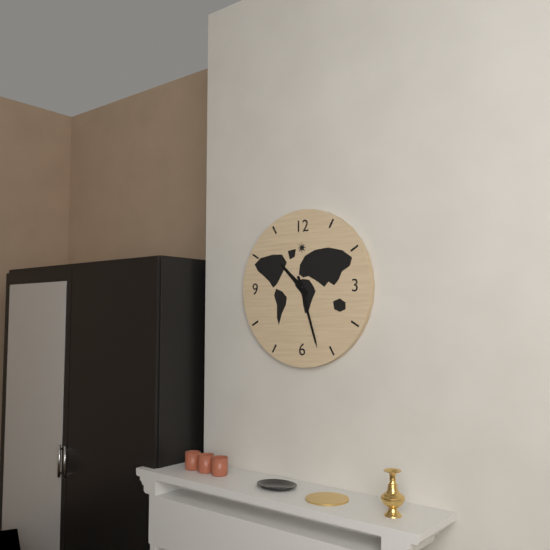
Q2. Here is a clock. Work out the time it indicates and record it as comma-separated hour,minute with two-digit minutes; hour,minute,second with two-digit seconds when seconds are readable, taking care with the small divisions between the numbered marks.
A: 10,27
